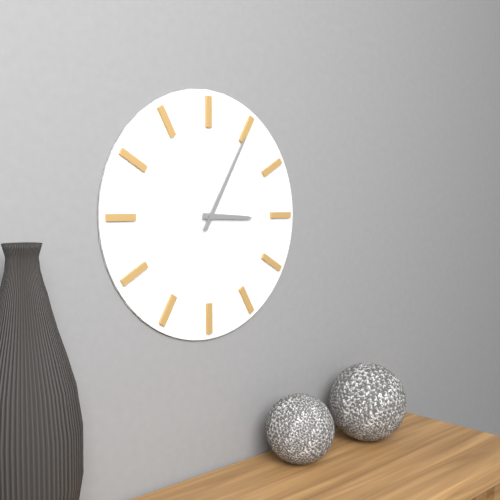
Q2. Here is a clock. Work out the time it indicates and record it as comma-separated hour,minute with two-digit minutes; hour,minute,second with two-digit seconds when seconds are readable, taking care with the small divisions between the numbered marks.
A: 3,05
